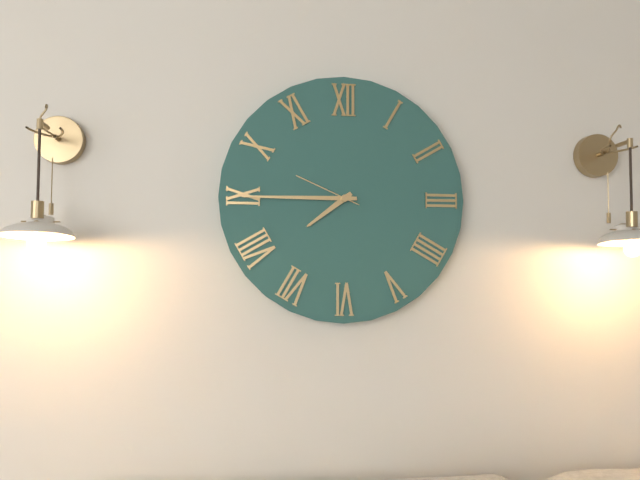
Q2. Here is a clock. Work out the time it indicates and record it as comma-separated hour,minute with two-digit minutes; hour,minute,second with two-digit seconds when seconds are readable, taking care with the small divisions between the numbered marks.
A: 7,45,49
